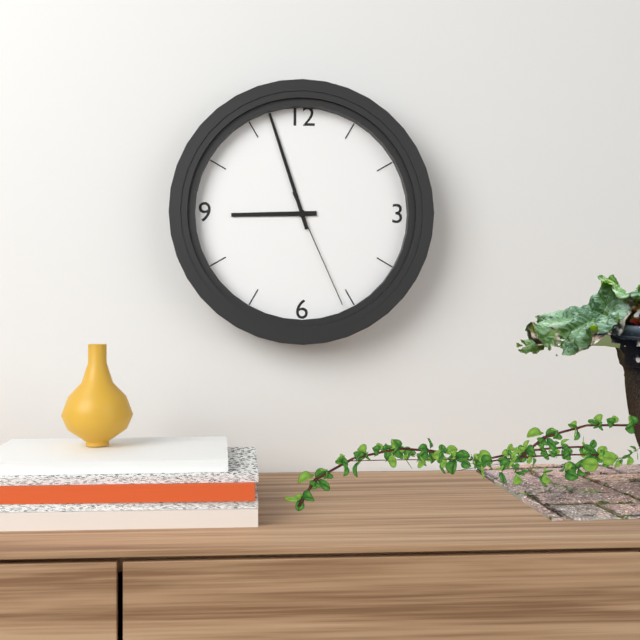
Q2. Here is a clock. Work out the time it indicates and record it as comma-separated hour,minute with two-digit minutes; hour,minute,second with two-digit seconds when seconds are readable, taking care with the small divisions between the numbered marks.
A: 8,57,26
